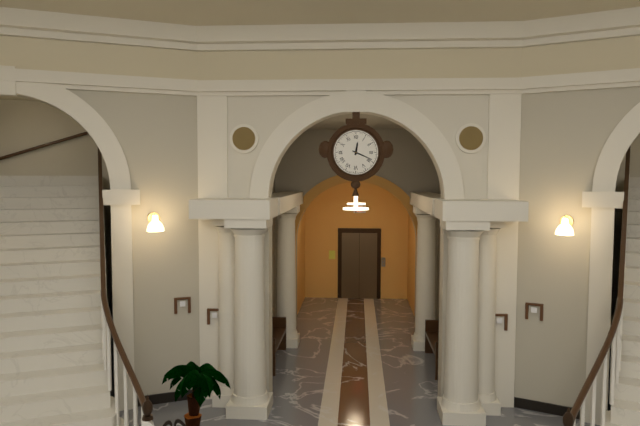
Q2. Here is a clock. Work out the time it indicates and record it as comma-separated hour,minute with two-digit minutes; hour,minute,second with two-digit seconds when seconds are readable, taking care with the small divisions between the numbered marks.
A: 12,19
